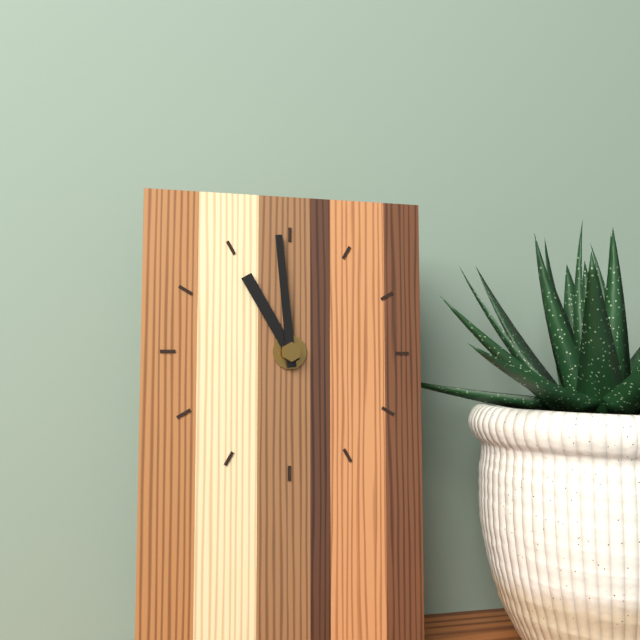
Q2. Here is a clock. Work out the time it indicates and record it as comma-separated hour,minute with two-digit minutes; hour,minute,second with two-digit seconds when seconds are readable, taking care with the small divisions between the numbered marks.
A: 10,59
